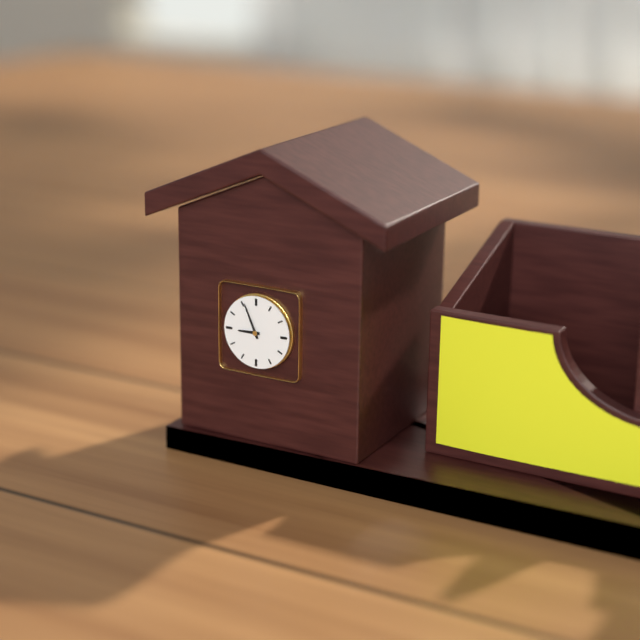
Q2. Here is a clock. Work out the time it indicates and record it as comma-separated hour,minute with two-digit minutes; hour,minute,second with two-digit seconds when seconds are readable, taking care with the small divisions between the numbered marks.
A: 8,56
